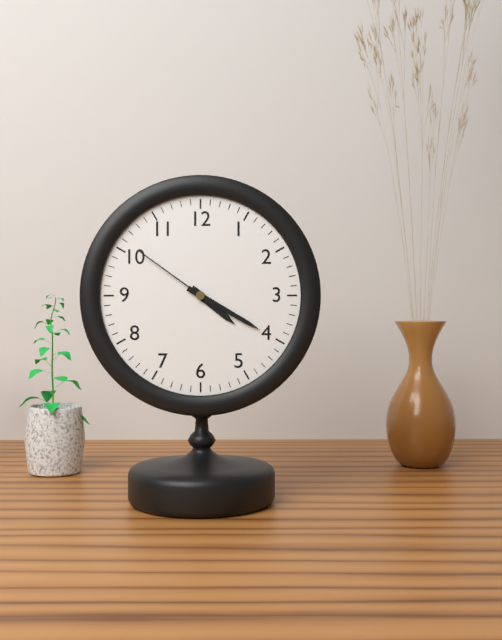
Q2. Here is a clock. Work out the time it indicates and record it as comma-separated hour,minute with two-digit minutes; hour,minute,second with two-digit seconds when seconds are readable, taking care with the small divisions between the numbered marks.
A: 4,20,51
